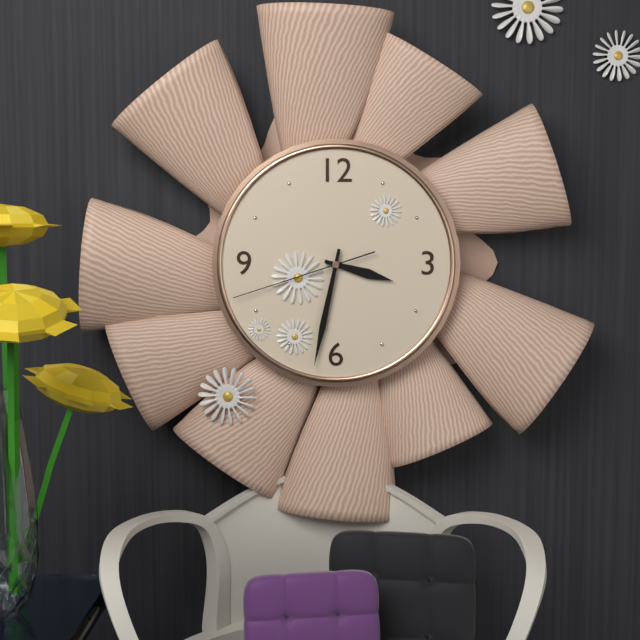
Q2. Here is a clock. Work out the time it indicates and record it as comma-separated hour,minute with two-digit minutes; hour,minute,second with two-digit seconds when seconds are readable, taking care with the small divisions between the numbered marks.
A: 3,32,42
